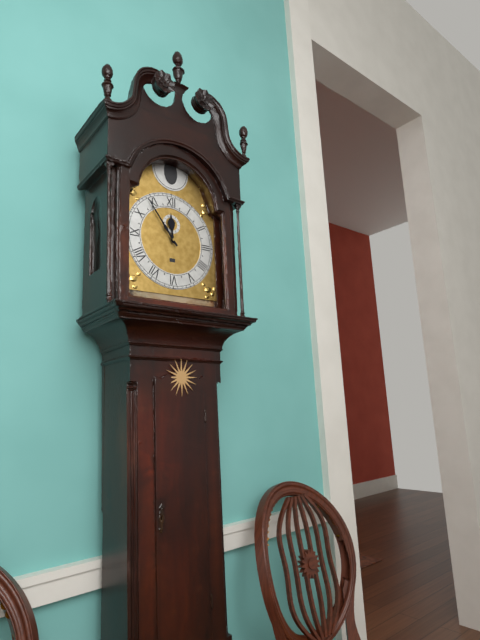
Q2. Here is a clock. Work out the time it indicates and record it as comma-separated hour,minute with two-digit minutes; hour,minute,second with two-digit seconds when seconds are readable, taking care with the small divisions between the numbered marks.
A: 11,54
